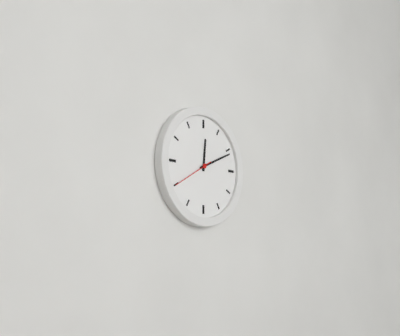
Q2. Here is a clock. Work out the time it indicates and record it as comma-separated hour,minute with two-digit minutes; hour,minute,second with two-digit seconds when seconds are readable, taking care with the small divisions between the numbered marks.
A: 12,11
